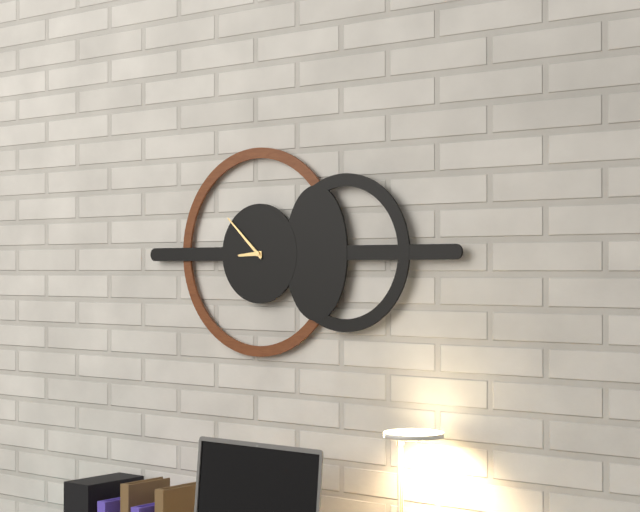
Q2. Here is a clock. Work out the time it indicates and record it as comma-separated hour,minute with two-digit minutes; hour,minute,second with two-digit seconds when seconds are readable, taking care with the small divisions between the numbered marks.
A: 8,52
